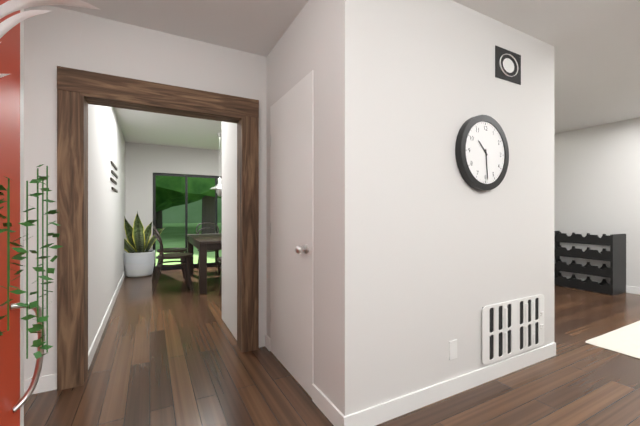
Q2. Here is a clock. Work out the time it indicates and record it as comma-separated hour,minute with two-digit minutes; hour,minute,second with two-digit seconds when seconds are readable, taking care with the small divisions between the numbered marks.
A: 10,29
